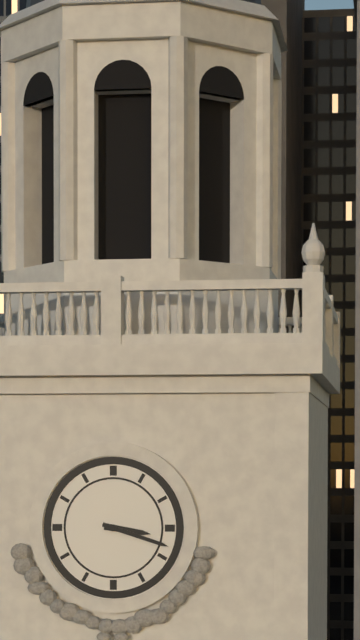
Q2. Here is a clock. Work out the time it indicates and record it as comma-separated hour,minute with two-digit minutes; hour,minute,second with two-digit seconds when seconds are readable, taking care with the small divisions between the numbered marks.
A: 3,18
